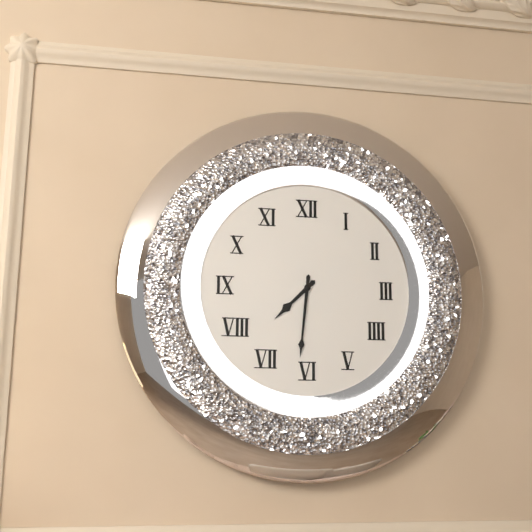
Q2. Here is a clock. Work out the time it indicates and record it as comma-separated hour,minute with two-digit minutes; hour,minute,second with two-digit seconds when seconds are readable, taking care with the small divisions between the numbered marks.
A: 7,31
